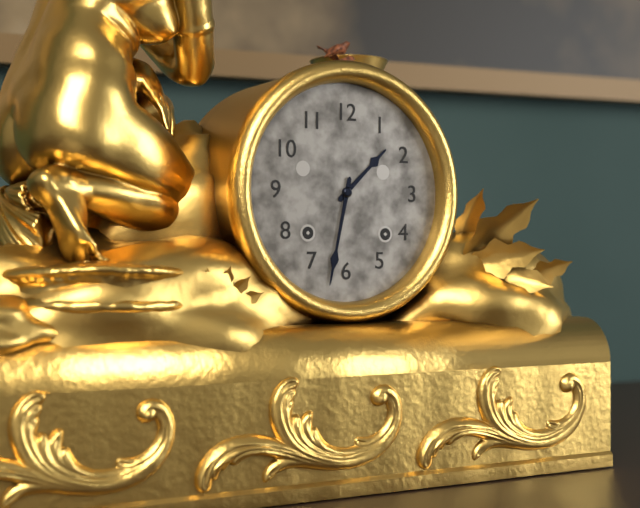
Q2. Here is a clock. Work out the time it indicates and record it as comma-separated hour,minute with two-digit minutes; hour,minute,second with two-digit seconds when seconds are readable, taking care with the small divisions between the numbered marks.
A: 1,32
